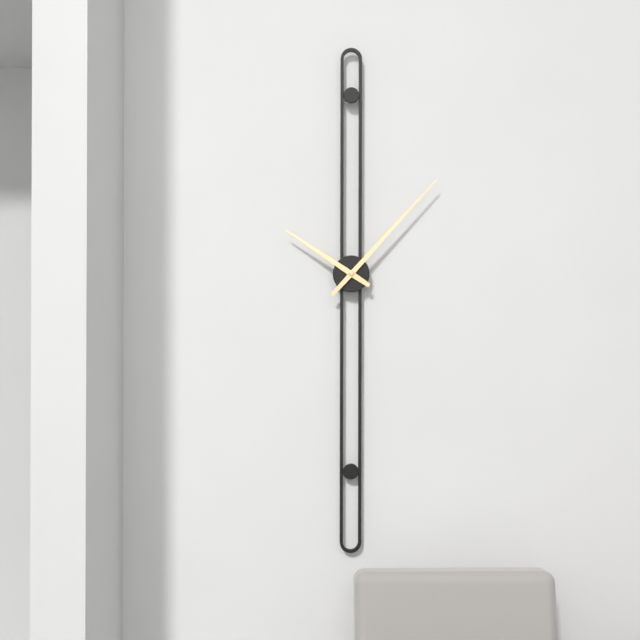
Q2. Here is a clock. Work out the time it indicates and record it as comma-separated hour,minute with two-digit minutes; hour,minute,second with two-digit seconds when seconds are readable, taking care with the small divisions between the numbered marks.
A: 10,07
